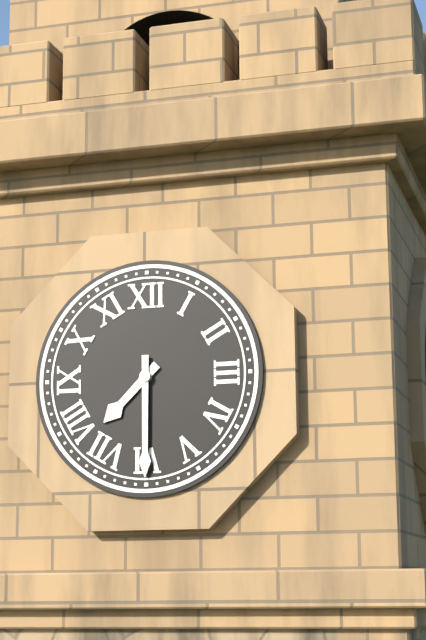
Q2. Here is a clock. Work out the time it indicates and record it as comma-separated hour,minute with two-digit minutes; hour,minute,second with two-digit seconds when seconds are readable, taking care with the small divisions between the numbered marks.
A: 7,30
